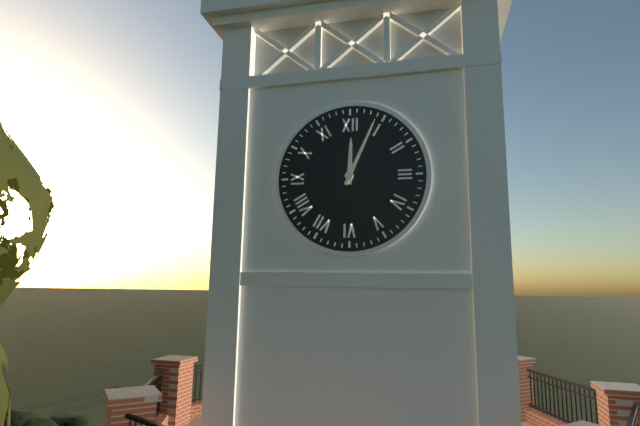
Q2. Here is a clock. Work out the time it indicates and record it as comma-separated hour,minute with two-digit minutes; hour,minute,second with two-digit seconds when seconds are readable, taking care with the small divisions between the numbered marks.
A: 12,04
